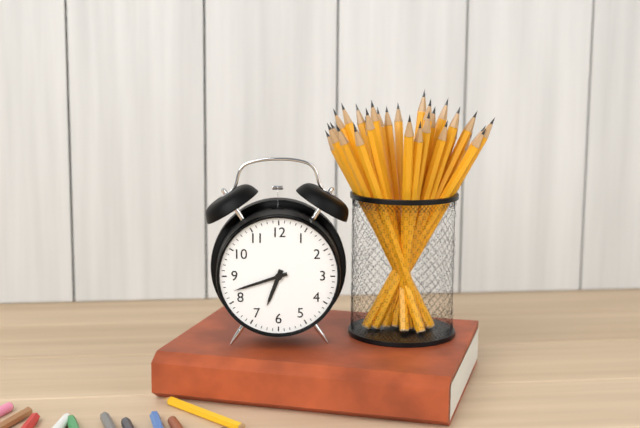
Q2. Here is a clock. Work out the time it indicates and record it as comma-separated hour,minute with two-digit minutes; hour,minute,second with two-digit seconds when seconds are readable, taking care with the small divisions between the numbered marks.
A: 6,42
